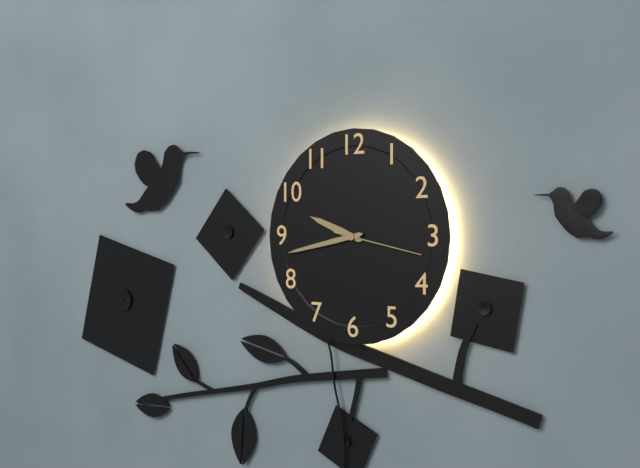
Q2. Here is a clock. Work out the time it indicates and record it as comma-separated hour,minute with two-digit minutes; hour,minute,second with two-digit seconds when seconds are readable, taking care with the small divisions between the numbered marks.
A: 9,43,17
